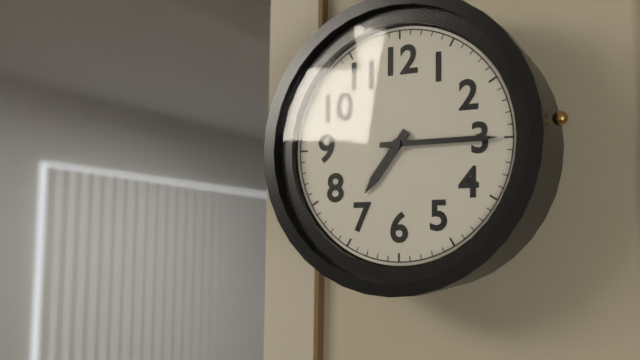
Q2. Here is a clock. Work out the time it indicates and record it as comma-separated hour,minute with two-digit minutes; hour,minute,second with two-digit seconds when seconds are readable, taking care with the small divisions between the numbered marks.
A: 7,15
